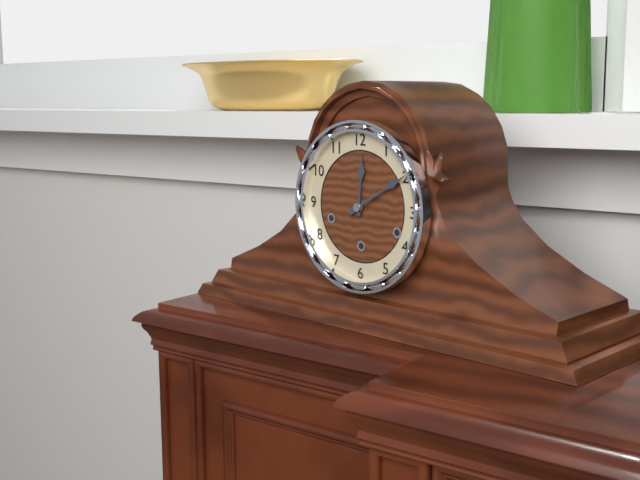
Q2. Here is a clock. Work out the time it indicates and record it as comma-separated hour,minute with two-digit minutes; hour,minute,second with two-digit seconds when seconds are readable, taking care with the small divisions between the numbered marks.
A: 12,10
